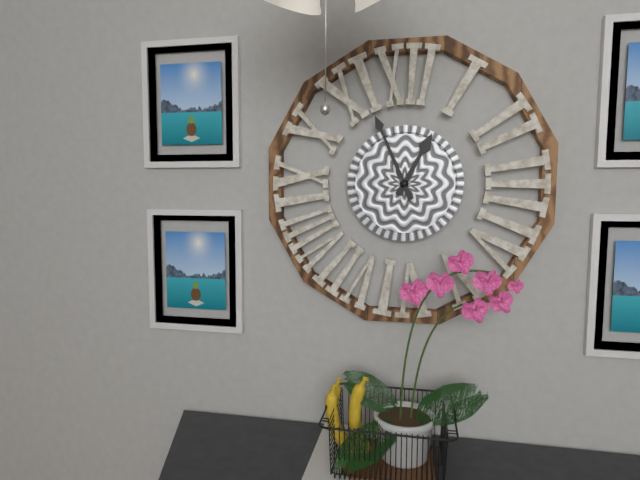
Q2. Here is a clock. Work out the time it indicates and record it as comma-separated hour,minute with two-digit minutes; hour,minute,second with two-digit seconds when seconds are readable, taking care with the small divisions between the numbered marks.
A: 12,56
